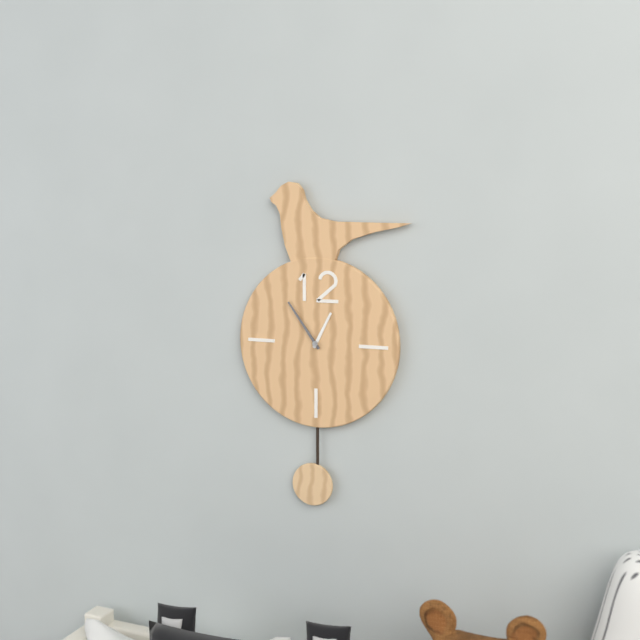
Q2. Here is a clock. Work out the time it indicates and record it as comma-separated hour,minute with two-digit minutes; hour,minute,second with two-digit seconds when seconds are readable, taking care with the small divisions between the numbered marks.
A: 12,54
